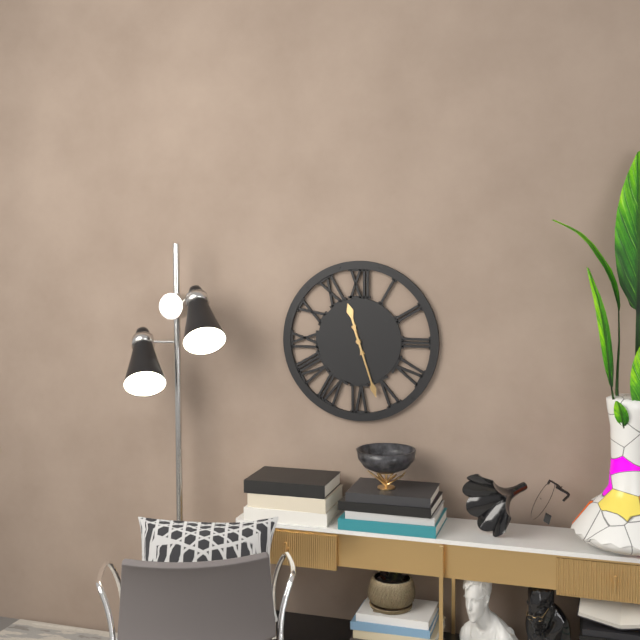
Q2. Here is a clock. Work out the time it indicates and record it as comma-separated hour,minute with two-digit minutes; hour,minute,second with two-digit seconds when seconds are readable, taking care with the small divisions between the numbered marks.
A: 11,27
